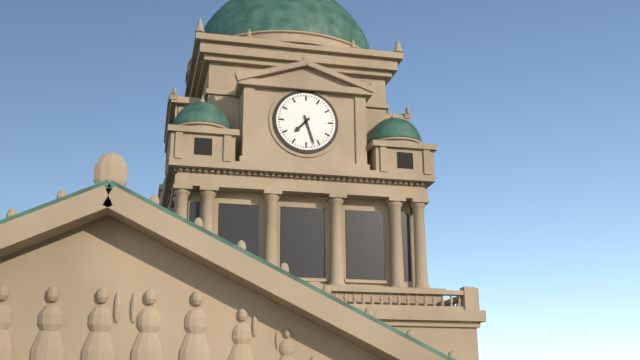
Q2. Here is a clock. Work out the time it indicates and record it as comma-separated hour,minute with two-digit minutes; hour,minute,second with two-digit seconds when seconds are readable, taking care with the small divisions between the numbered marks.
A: 7,27
